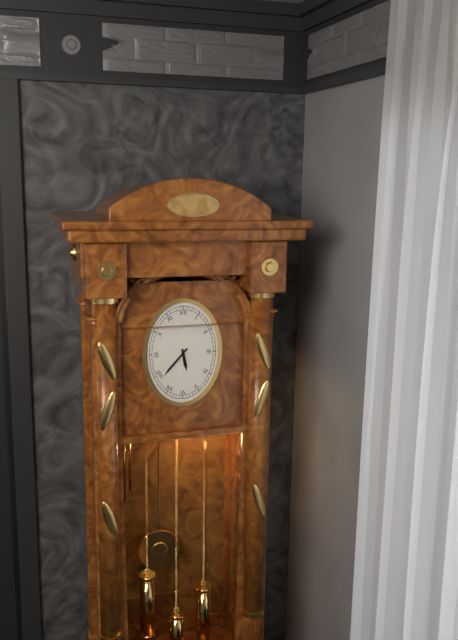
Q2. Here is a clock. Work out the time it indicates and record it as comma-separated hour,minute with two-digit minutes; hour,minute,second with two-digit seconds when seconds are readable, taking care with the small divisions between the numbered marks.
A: 5,37
